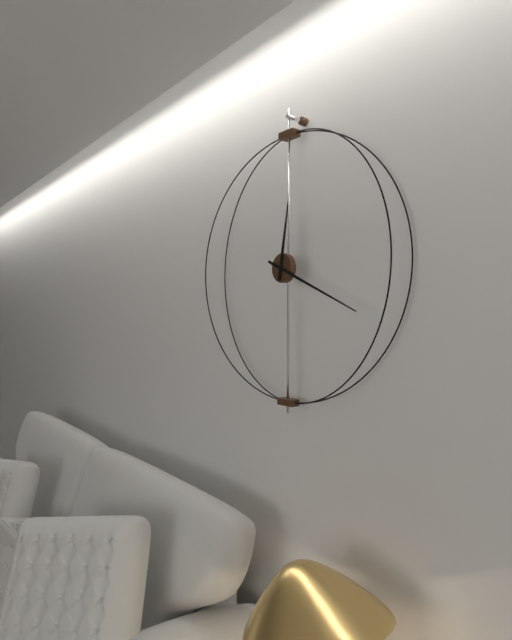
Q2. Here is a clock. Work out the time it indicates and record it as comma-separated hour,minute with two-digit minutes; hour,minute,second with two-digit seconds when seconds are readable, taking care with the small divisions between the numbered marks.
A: 12,19
